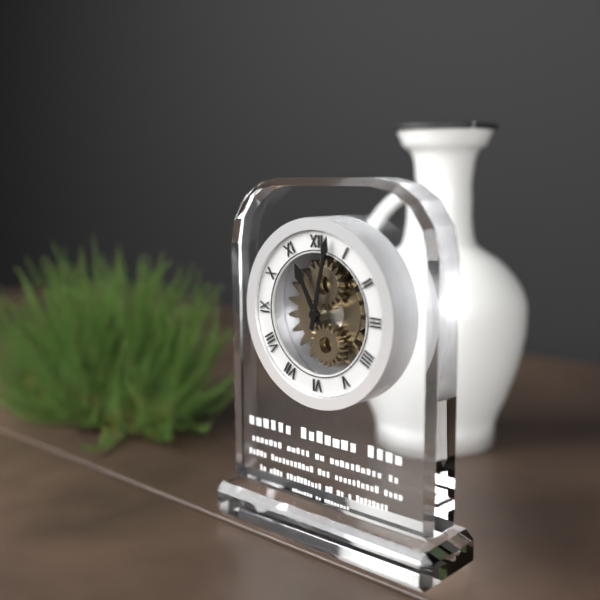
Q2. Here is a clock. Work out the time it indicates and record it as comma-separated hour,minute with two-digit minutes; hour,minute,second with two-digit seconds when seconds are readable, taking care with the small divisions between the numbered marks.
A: 11,02
